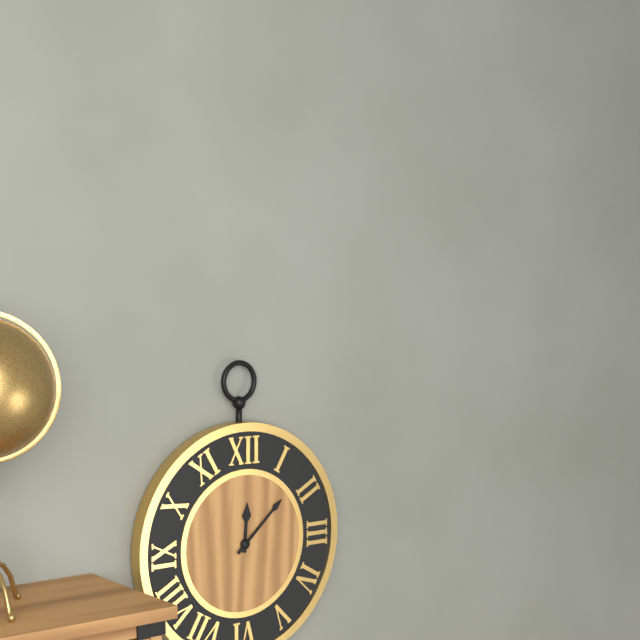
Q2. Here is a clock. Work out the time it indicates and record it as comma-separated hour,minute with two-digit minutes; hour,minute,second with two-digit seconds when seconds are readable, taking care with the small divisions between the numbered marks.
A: 12,08
